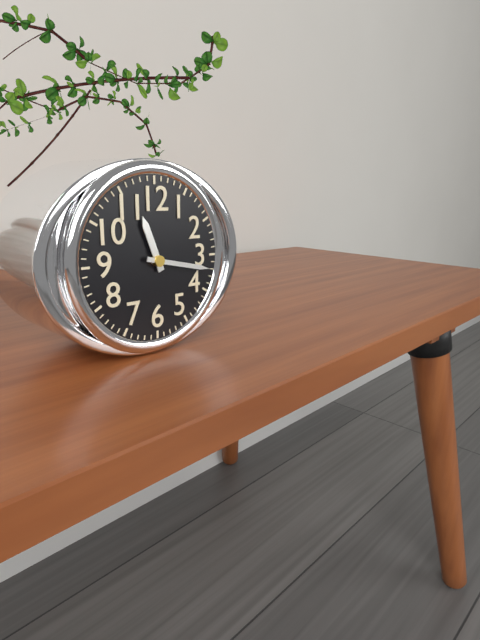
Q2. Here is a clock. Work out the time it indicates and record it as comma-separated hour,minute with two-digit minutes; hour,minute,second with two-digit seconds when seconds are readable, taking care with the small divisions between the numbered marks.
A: 11,17
